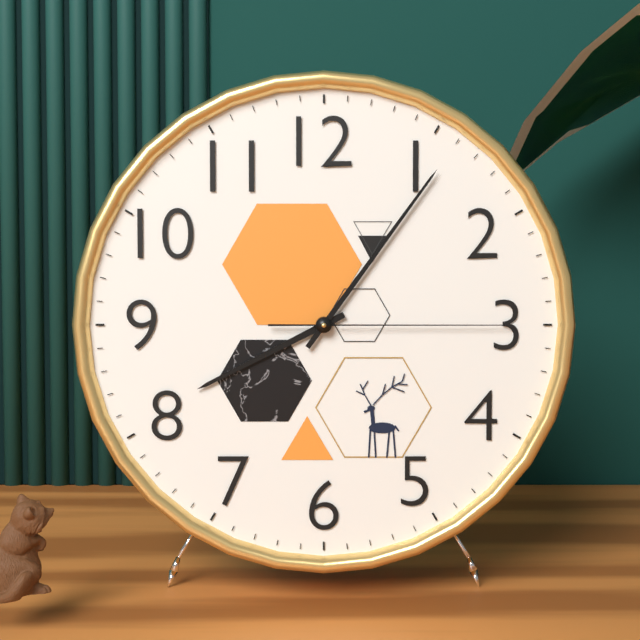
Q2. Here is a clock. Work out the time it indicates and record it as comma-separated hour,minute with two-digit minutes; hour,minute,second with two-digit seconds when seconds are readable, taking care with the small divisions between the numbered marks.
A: 8,06,15
